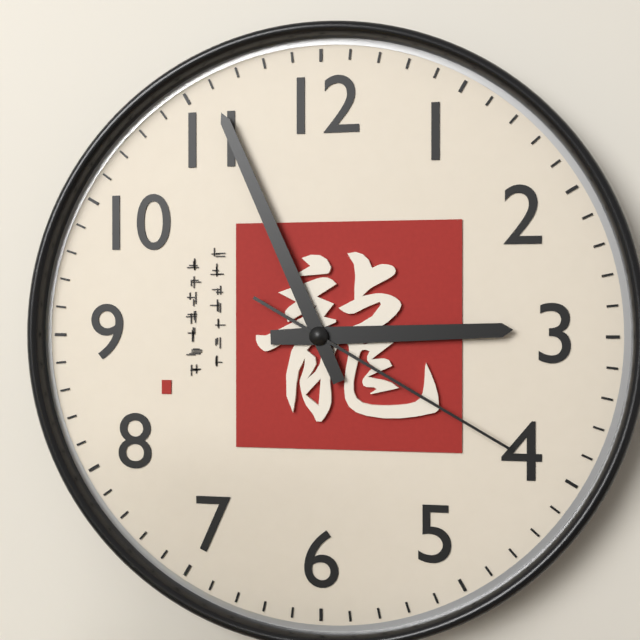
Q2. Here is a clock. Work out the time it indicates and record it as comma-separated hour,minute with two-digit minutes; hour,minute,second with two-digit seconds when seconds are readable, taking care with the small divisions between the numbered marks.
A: 2,56,20
